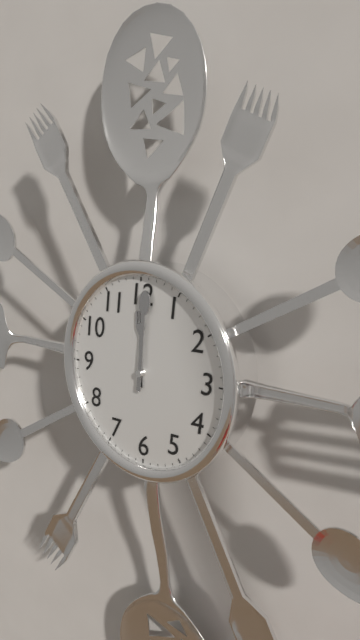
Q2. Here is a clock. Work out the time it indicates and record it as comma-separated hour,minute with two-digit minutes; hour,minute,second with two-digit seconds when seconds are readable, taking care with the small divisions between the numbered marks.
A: 12,01
